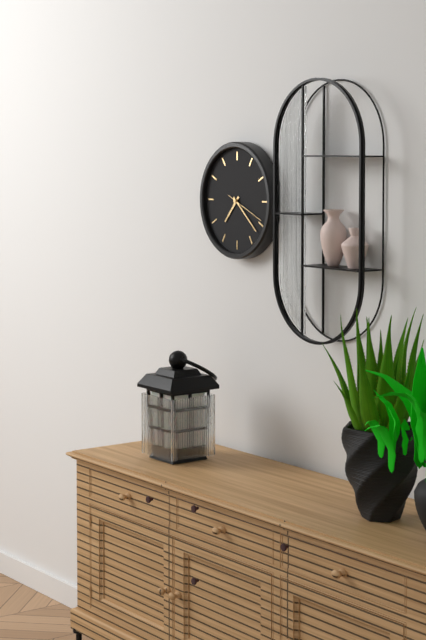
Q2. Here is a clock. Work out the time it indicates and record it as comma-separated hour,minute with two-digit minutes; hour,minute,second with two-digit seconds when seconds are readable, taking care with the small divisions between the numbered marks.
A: 7,22
